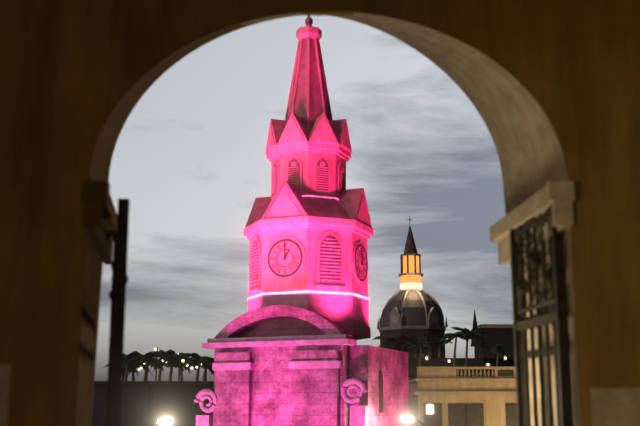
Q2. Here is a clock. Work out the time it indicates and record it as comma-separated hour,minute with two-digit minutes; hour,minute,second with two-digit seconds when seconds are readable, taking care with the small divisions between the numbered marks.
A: 1,00
